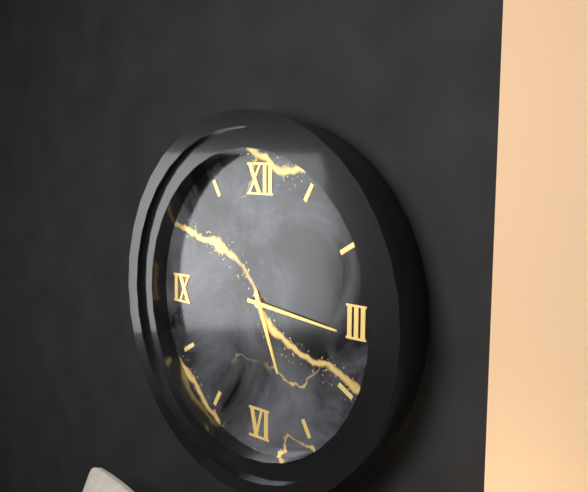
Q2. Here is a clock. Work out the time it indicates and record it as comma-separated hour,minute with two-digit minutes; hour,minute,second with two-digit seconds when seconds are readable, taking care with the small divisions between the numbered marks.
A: 5,16
